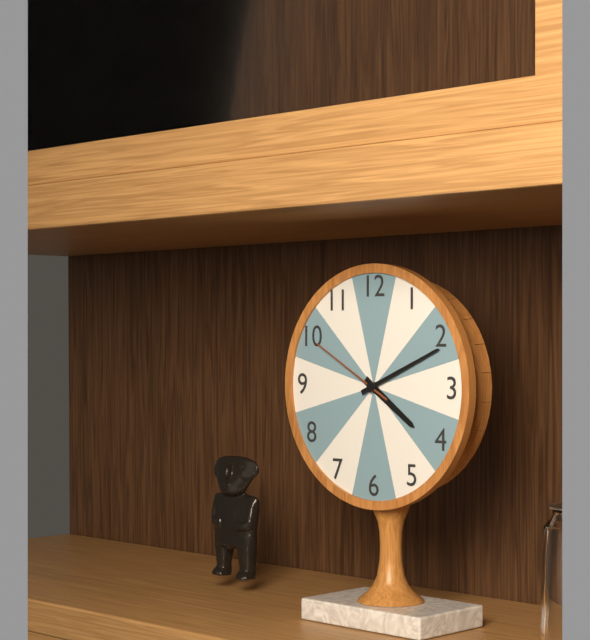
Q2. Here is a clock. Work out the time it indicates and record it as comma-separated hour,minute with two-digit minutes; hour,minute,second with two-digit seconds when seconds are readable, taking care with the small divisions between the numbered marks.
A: 4,11,50
